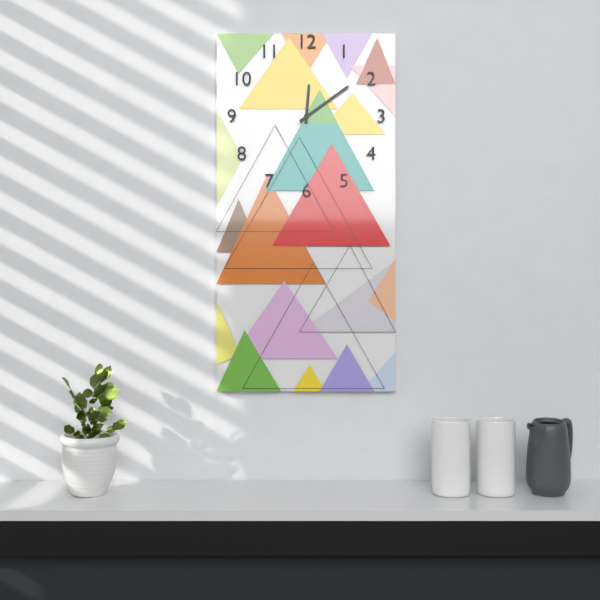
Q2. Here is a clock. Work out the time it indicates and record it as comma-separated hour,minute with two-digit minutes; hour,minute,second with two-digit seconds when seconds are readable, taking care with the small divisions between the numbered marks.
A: 12,09
